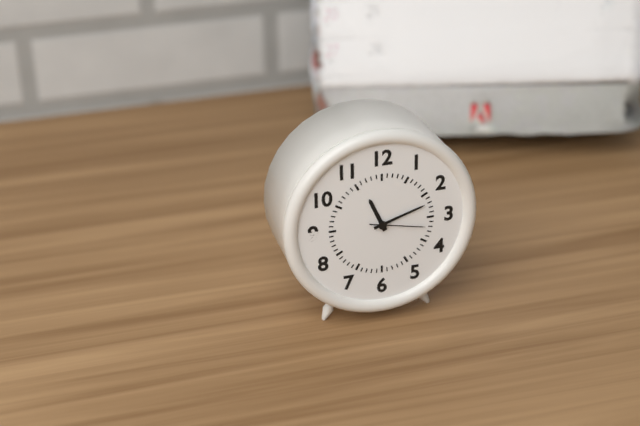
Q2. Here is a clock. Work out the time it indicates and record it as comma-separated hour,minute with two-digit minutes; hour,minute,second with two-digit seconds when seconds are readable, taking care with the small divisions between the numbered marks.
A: 11,12,17
